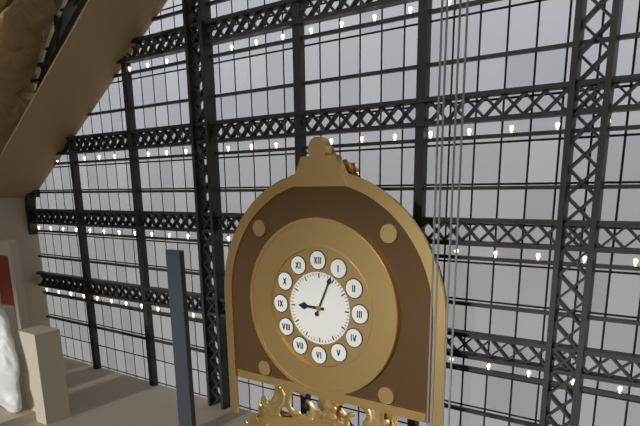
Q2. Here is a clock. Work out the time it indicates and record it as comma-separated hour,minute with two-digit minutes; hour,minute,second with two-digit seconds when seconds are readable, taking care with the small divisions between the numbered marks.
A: 9,04
